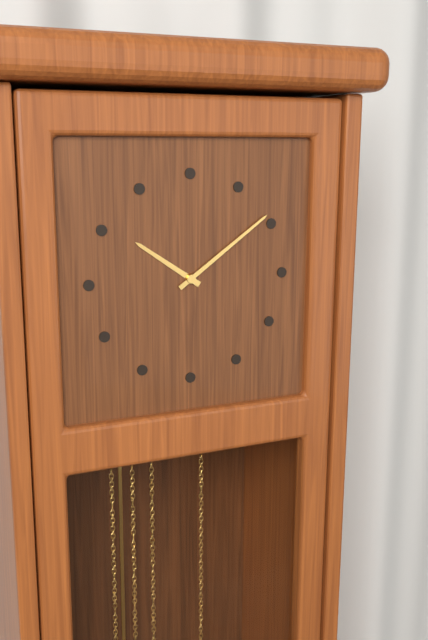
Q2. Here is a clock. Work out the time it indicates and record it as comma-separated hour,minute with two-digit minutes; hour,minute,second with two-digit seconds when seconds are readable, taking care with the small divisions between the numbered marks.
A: 10,09
